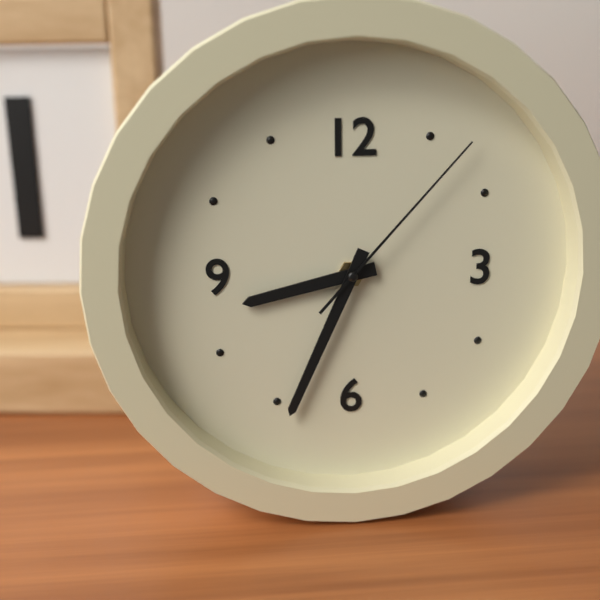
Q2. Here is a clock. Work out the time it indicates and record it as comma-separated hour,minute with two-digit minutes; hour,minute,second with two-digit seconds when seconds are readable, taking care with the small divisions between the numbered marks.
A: 8,34,07
